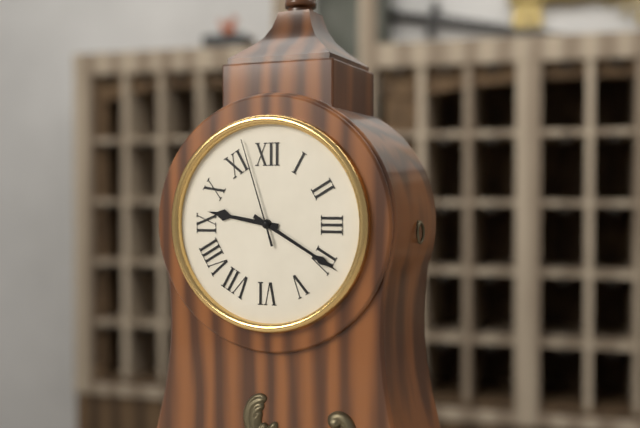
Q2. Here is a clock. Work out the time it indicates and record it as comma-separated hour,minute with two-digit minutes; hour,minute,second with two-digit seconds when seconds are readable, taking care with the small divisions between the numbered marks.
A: 9,20,57
